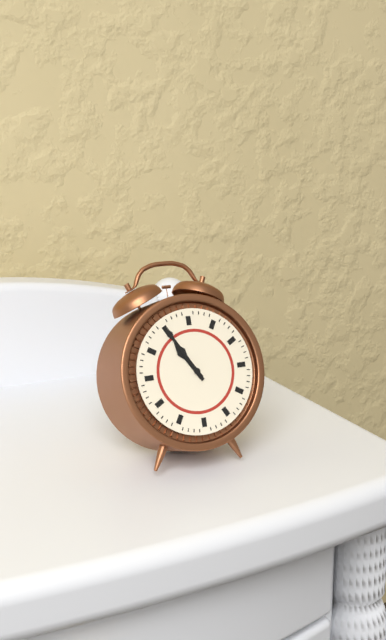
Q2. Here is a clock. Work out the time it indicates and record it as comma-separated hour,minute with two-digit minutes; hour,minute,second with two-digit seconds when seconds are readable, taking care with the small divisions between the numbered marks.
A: 10,55
